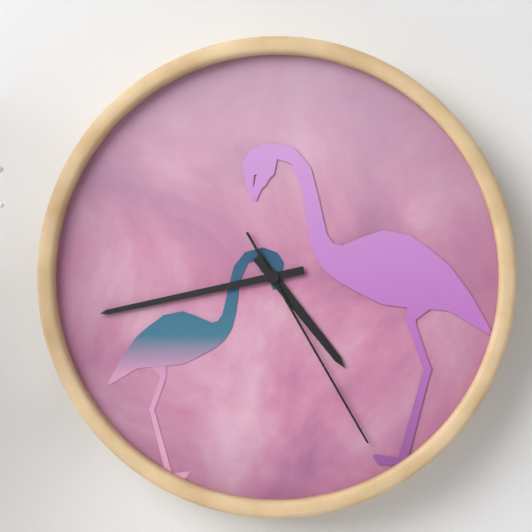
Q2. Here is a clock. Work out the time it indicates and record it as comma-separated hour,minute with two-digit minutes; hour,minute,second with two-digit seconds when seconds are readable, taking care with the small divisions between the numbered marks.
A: 4,43,25
